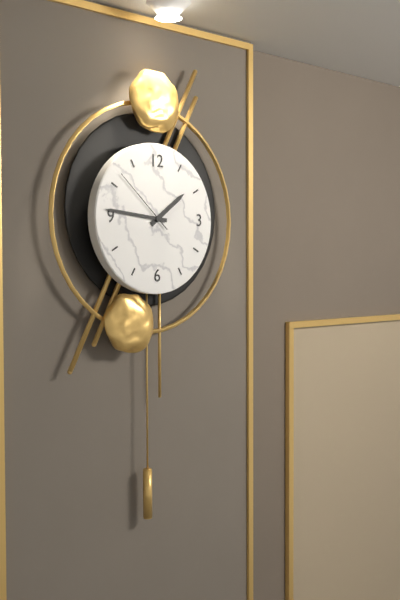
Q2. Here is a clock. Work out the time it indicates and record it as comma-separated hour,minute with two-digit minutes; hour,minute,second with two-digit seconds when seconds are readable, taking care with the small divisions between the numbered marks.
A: 1,46,52
